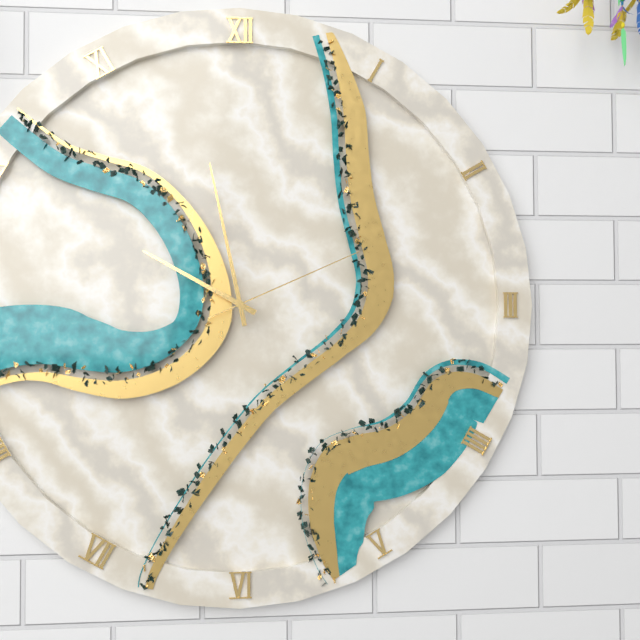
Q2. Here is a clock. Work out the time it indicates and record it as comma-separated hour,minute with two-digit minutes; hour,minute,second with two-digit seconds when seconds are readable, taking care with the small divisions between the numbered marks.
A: 9,58,11
